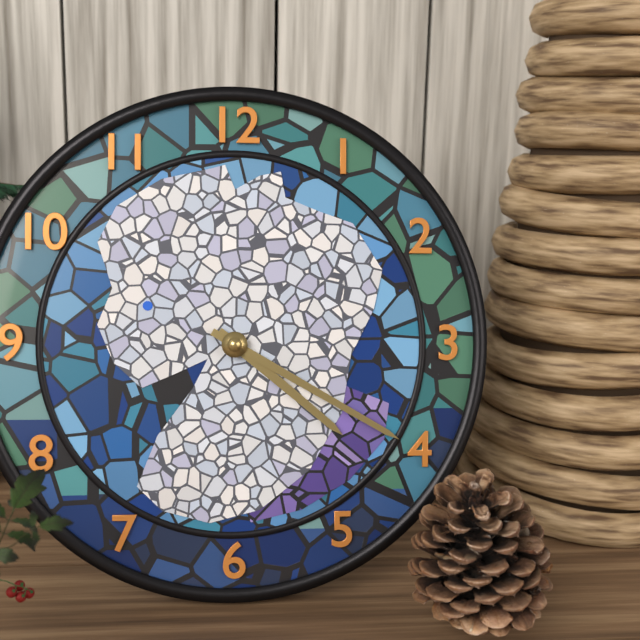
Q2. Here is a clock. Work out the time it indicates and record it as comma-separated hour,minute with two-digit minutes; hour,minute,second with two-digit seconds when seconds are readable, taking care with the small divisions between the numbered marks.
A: 4,20
